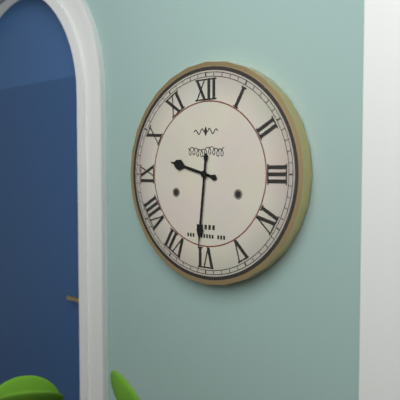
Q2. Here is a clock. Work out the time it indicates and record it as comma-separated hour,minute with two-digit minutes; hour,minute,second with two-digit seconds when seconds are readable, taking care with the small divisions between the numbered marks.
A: 9,31
